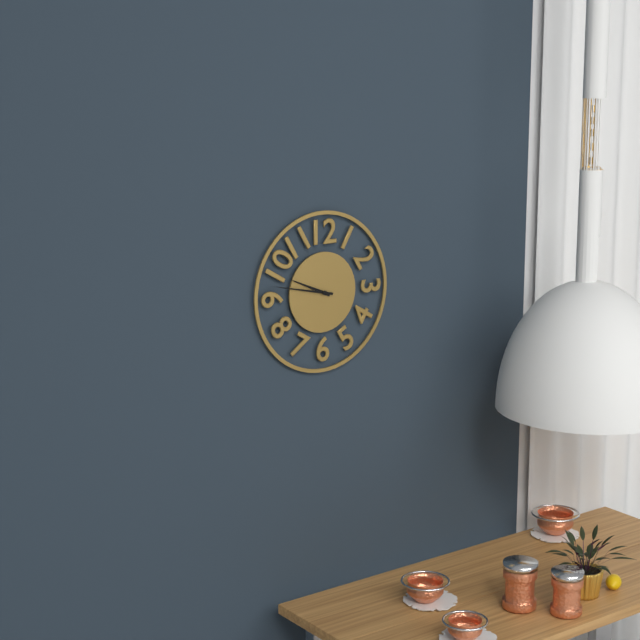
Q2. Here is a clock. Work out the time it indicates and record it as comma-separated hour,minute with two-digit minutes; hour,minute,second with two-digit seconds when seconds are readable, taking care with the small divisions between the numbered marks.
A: 9,47
